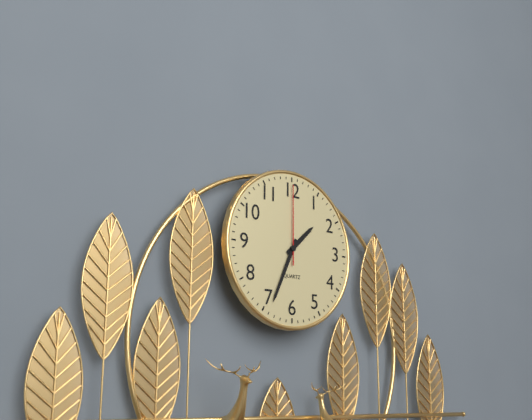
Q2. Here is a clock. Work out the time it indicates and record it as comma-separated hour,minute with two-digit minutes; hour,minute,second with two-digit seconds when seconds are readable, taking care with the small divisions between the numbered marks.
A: 1,34,00
